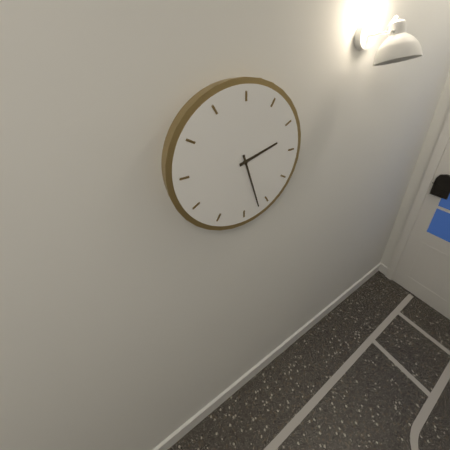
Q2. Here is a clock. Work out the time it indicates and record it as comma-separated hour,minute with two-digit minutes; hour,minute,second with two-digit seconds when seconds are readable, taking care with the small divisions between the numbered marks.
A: 2,27
